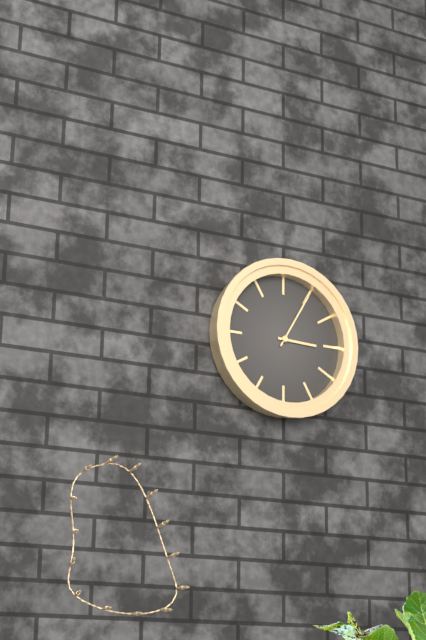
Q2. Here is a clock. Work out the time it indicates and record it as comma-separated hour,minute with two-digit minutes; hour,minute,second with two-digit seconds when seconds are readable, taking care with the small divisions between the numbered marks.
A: 3,05
